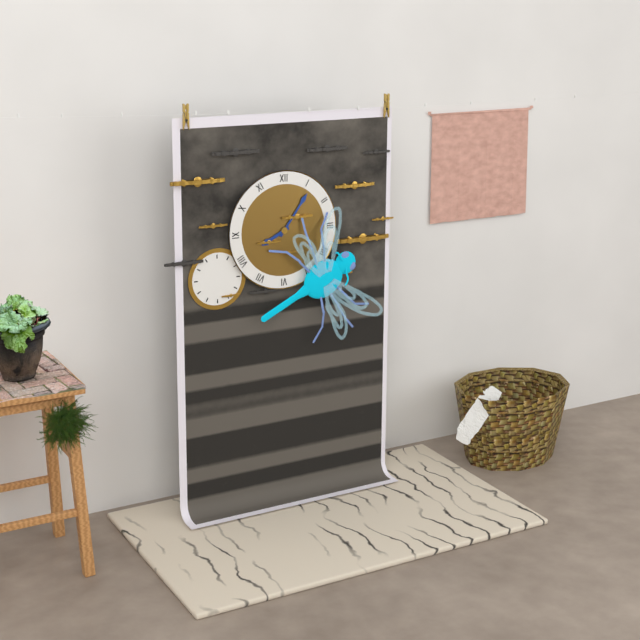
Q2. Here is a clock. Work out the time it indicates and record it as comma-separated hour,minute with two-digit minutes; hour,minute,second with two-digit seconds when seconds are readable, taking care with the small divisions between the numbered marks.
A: 8,06
